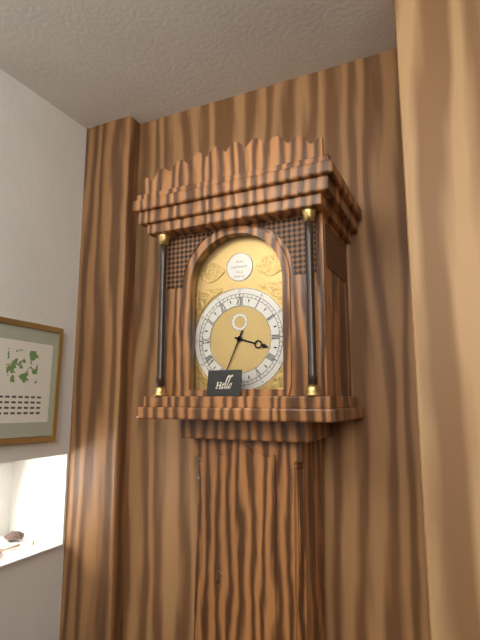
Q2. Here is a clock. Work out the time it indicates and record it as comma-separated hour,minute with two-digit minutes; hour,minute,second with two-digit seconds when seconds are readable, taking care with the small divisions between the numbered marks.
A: 3,34
